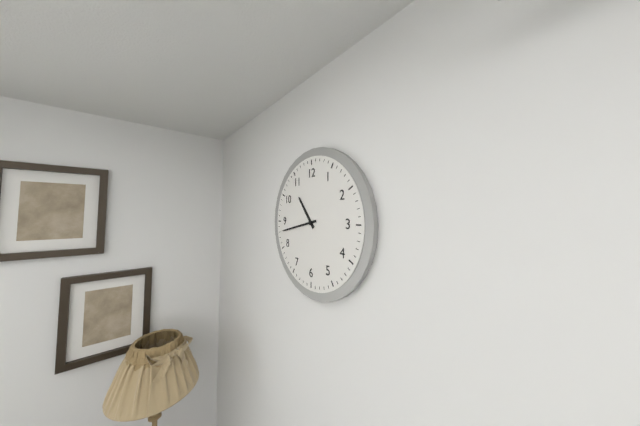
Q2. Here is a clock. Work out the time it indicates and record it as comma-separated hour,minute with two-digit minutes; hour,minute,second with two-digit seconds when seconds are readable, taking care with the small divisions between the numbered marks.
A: 10,43
